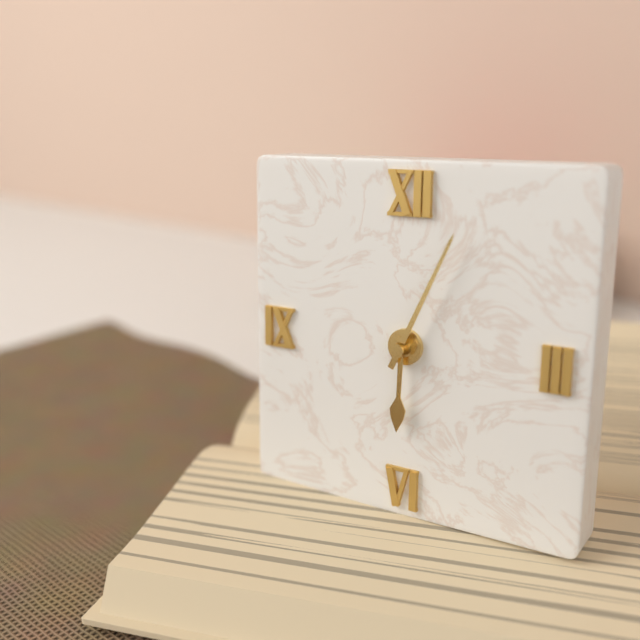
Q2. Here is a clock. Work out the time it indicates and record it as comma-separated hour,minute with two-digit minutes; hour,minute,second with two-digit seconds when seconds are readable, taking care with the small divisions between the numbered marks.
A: 6,04
